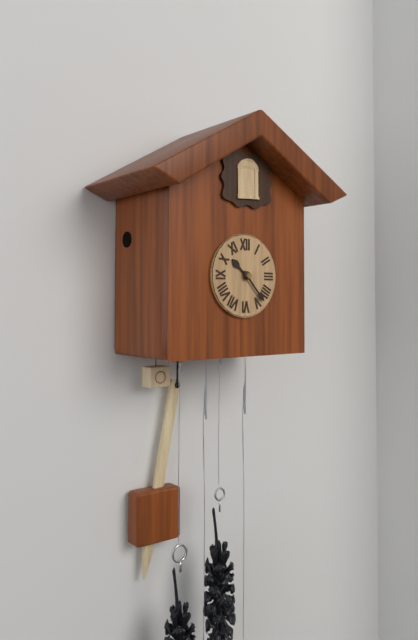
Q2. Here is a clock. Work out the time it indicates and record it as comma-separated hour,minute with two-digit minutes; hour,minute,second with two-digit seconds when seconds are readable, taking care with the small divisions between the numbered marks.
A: 10,23
